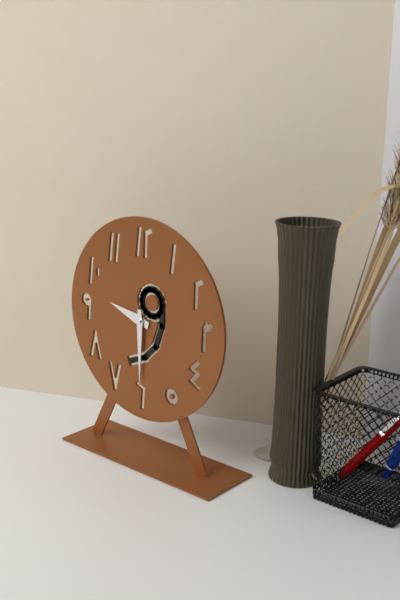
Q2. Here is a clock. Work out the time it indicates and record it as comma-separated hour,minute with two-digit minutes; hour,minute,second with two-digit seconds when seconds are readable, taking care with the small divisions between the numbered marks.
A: 9,30
